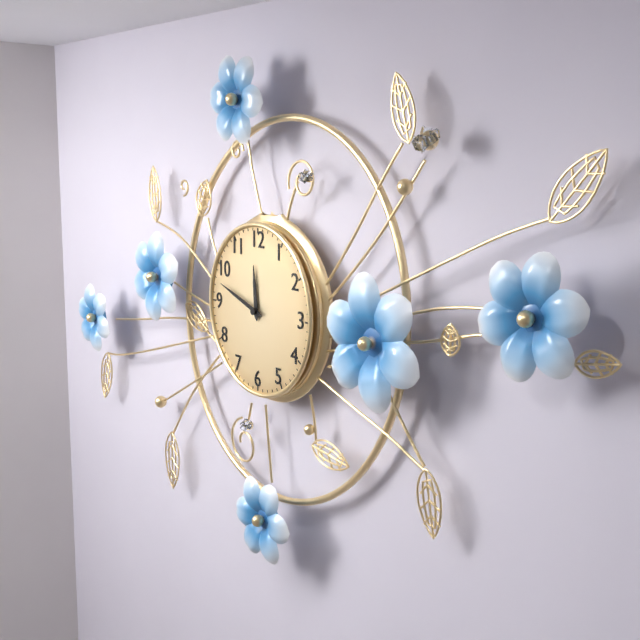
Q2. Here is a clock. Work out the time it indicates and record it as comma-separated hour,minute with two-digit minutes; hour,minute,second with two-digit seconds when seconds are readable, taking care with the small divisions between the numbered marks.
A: 11,48
